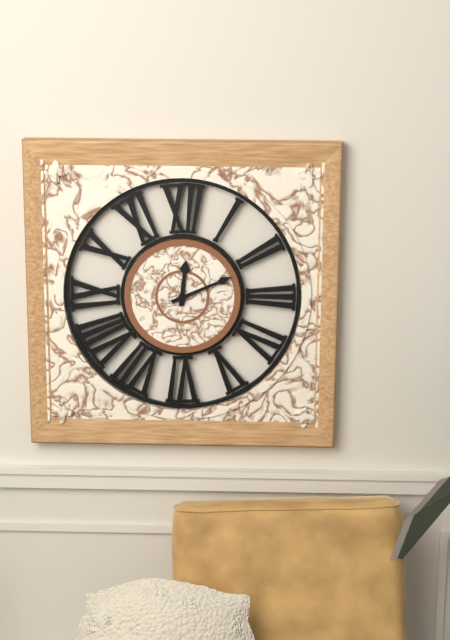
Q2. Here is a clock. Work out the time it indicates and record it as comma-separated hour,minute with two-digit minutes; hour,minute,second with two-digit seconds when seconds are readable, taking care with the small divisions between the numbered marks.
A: 12,11
